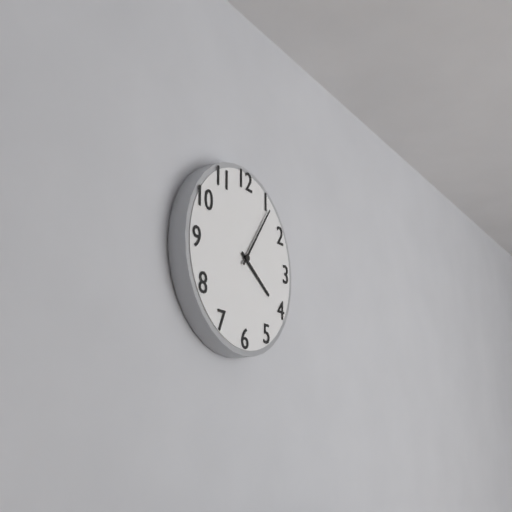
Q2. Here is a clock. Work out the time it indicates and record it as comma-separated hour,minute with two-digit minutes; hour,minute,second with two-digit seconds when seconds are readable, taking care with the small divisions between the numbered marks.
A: 4,06
